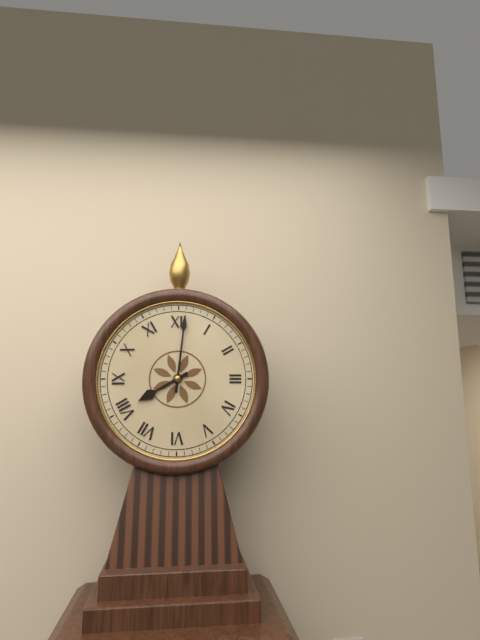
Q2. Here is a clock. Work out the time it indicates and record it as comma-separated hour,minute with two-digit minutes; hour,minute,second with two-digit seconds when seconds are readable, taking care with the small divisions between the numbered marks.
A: 8,01
